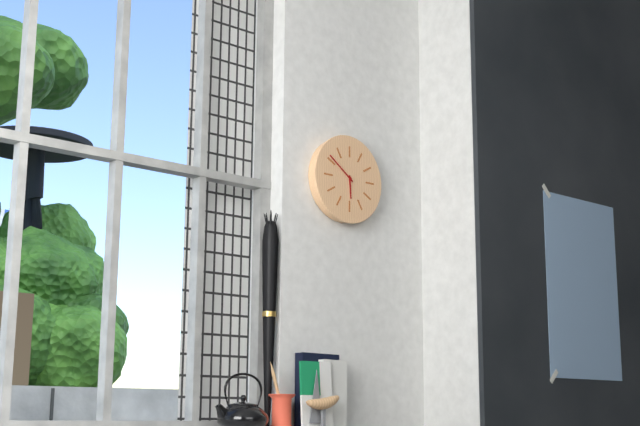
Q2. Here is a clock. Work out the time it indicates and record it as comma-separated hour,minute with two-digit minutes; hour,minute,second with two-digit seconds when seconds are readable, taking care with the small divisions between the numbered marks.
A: 5,51
